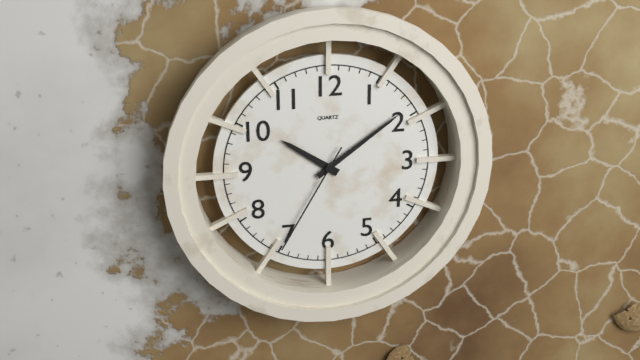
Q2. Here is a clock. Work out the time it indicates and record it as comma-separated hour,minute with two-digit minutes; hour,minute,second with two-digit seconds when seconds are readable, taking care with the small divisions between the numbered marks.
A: 10,09,35
